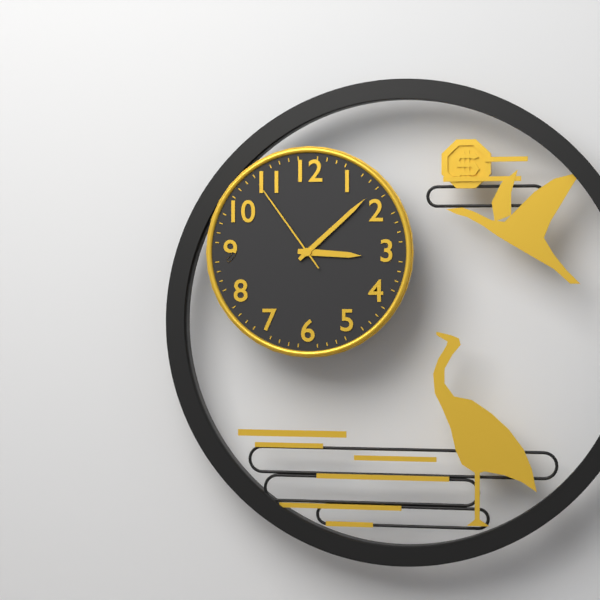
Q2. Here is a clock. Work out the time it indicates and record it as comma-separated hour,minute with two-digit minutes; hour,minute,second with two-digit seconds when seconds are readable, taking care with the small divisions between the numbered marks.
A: 3,08,54
